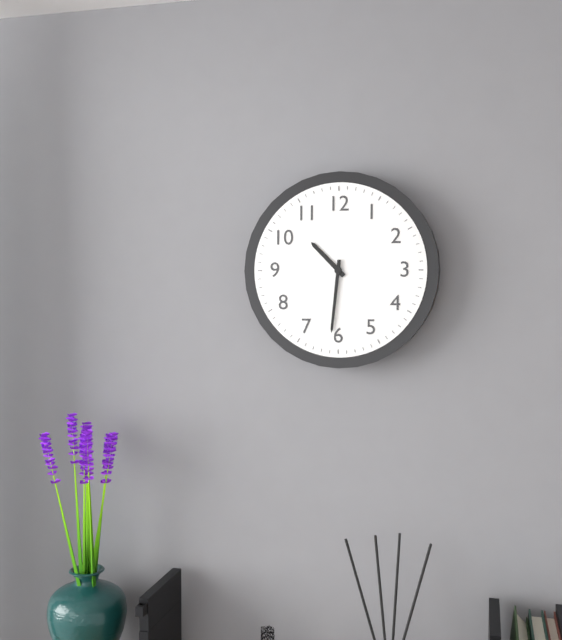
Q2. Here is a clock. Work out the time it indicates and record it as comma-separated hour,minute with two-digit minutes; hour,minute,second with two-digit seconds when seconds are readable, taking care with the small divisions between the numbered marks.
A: 10,31
